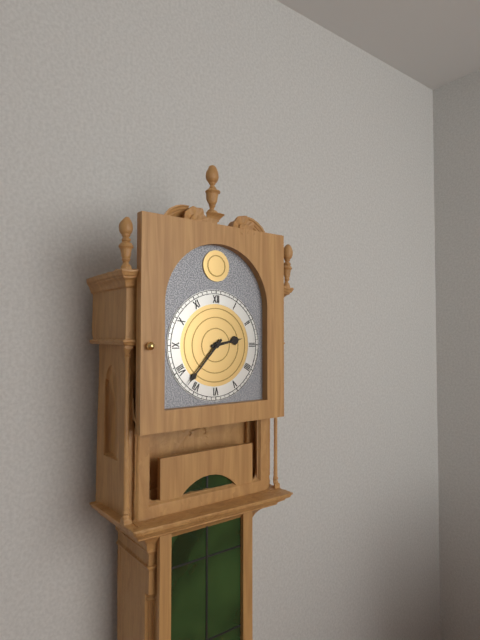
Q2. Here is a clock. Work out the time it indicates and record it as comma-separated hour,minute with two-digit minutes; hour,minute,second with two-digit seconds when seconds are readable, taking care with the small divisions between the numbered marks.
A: 2,37
